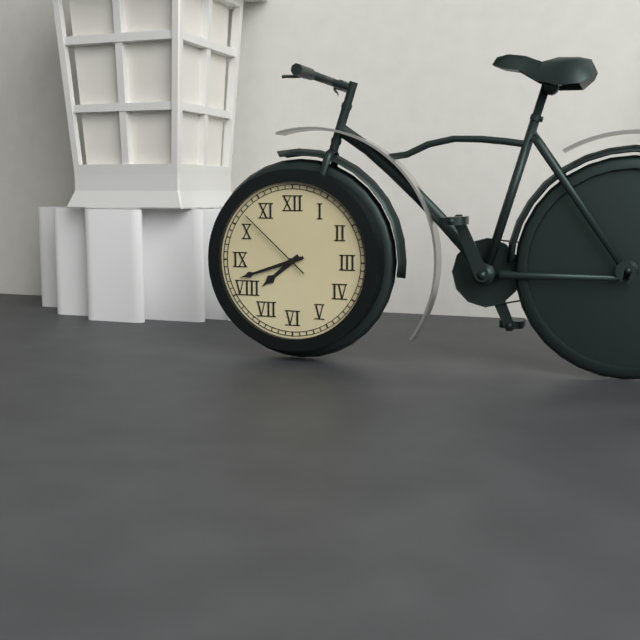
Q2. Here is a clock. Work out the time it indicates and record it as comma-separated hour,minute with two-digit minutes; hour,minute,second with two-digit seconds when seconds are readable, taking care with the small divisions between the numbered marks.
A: 7,42,52
